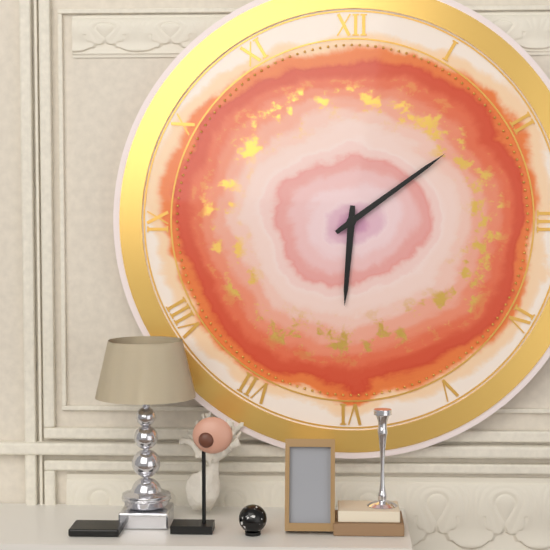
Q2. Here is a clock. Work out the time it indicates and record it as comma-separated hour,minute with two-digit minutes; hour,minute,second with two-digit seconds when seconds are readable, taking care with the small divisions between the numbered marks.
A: 6,09
